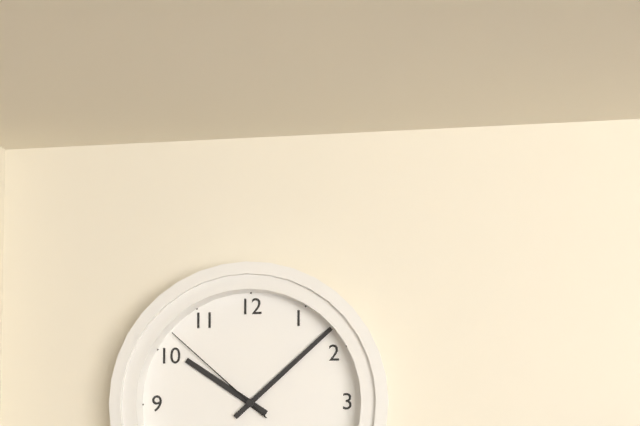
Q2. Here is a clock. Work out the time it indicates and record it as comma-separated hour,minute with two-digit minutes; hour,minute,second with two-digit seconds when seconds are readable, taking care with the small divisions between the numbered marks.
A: 10,08,52
